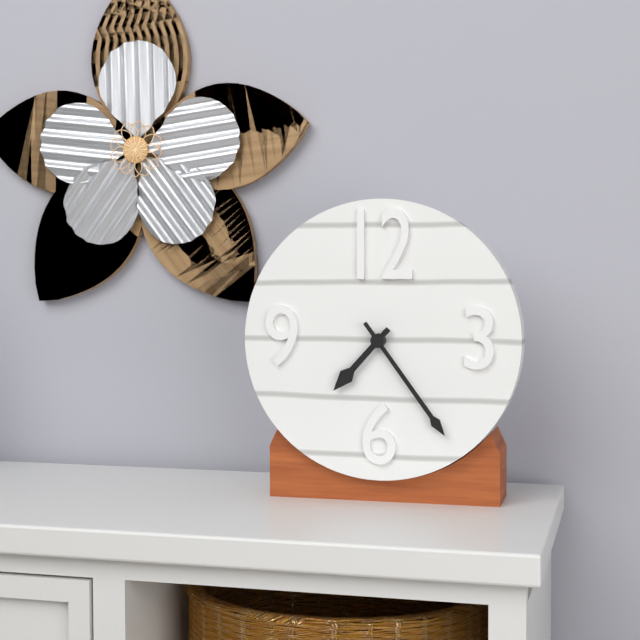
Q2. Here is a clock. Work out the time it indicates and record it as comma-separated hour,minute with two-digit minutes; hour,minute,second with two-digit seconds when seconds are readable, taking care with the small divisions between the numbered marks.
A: 7,24
